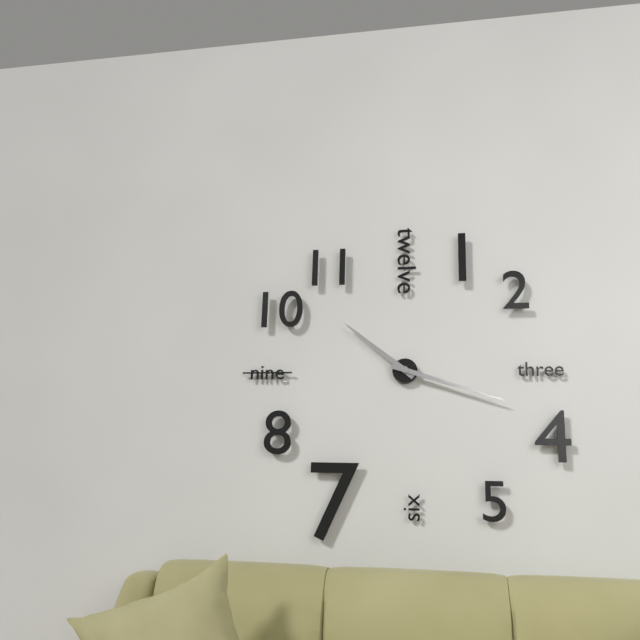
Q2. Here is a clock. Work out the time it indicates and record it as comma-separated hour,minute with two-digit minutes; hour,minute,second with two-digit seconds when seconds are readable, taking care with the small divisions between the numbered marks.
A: 10,18
